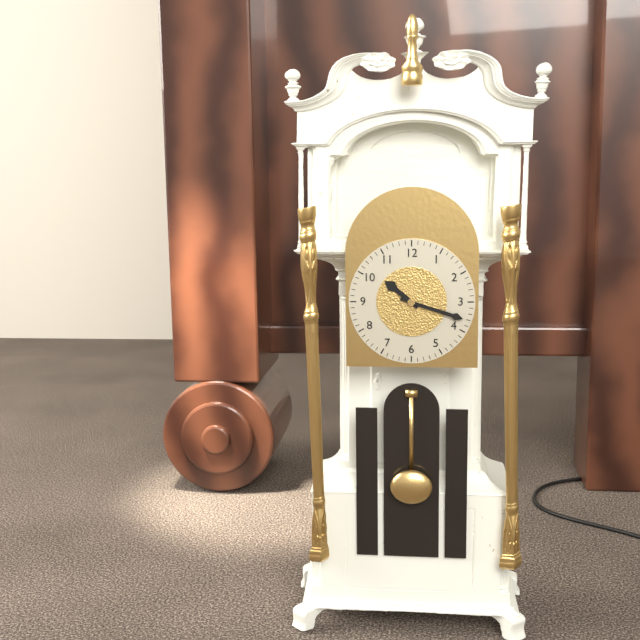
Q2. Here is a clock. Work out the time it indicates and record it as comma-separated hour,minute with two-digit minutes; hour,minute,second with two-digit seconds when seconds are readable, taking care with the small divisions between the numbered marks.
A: 10,18
